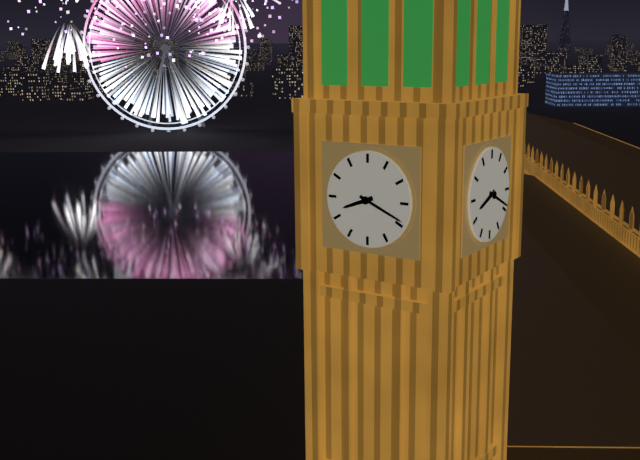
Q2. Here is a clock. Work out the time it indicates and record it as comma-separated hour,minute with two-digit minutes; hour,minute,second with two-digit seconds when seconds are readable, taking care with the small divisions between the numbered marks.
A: 8,19
